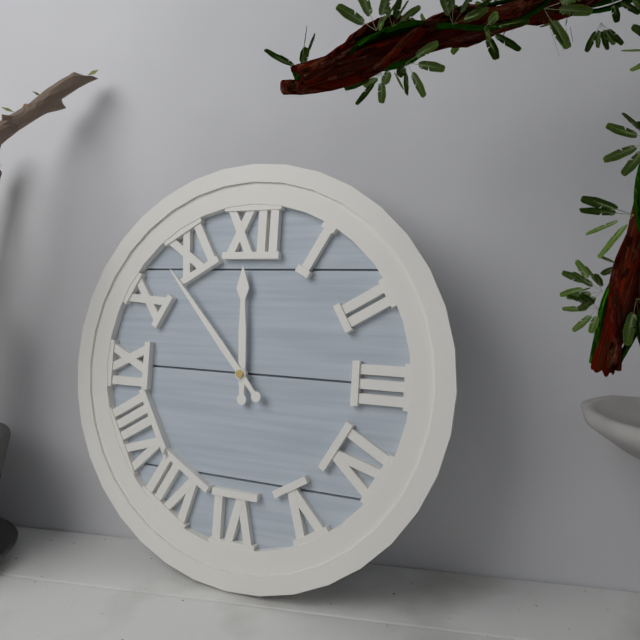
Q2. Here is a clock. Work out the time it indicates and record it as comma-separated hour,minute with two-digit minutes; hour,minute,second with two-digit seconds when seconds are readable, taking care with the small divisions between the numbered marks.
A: 11,53
